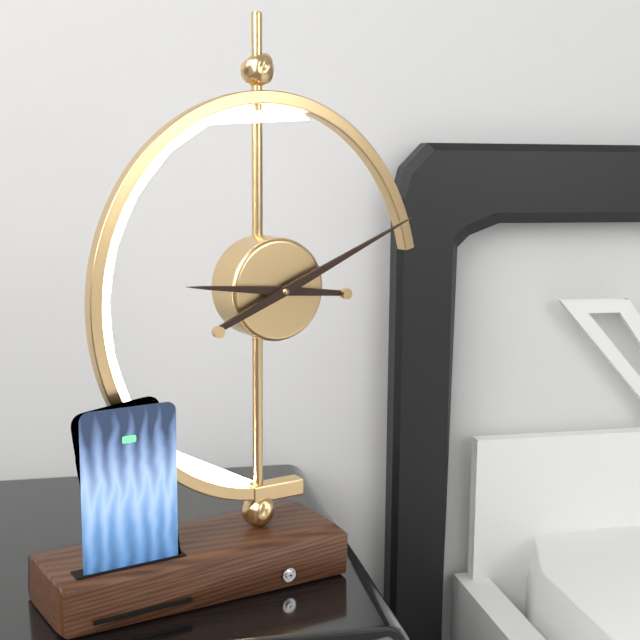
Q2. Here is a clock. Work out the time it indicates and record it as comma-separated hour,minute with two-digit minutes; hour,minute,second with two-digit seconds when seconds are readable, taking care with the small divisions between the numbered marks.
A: 9,11
